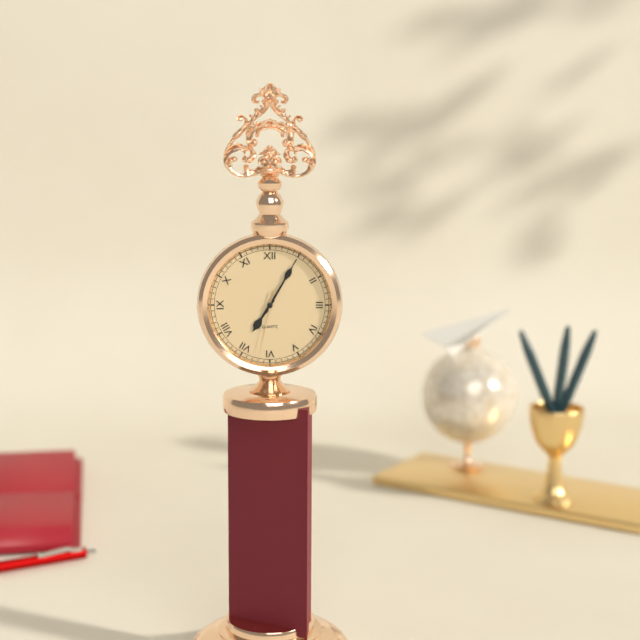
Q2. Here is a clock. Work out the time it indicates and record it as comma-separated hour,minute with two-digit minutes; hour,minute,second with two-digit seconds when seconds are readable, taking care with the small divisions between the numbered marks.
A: 7,05,32
